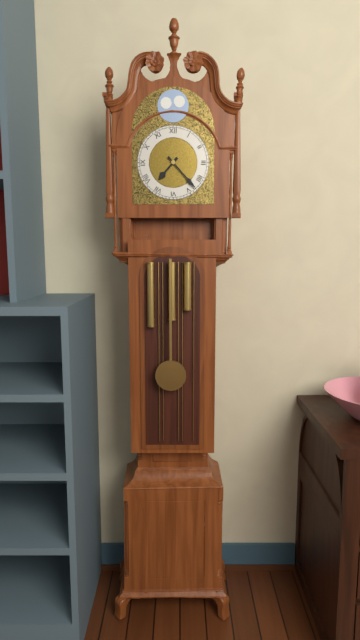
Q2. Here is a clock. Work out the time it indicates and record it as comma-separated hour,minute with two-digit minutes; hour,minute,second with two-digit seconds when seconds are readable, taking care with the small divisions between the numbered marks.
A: 7,23
